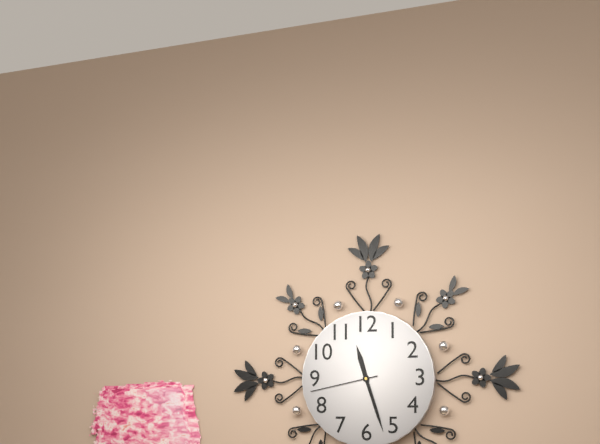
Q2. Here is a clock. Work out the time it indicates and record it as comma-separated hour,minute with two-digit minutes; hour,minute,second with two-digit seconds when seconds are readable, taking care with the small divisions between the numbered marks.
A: 11,27,43
